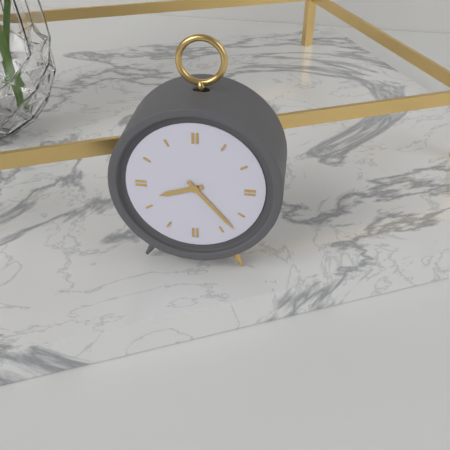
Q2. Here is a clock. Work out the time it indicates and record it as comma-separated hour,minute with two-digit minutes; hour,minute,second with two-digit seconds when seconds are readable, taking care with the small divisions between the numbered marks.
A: 8,23
